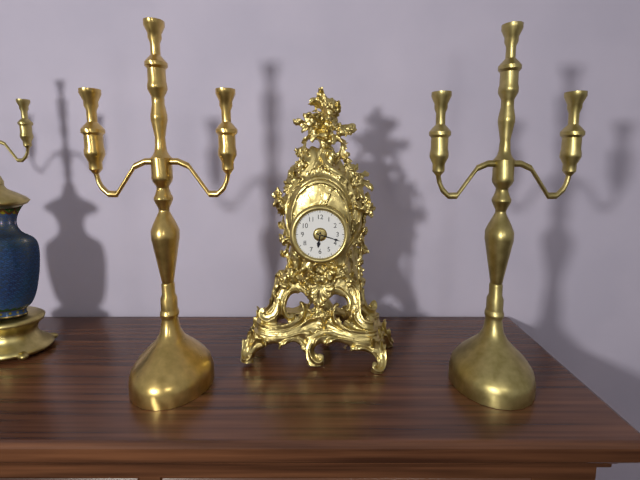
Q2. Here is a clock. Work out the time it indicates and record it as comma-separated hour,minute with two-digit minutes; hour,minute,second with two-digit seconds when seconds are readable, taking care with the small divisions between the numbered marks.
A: 6,18
